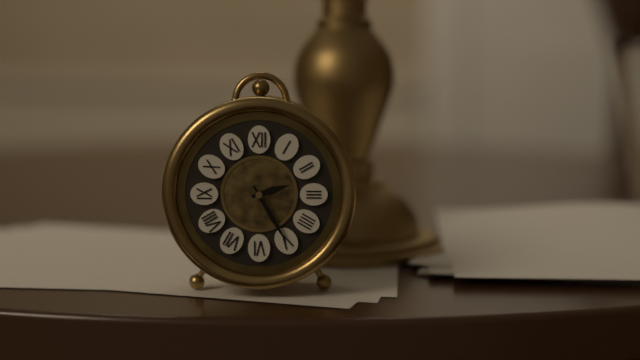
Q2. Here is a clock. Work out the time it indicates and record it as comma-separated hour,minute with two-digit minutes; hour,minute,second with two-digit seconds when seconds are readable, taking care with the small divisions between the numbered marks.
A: 2,25
